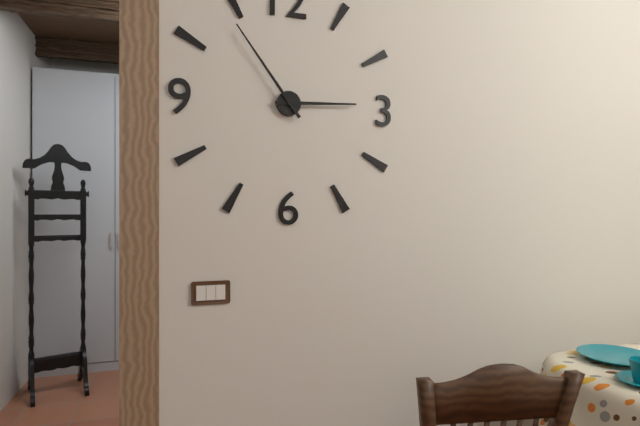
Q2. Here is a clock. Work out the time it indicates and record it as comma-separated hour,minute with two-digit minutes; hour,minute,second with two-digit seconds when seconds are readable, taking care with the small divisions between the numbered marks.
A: 2,54
